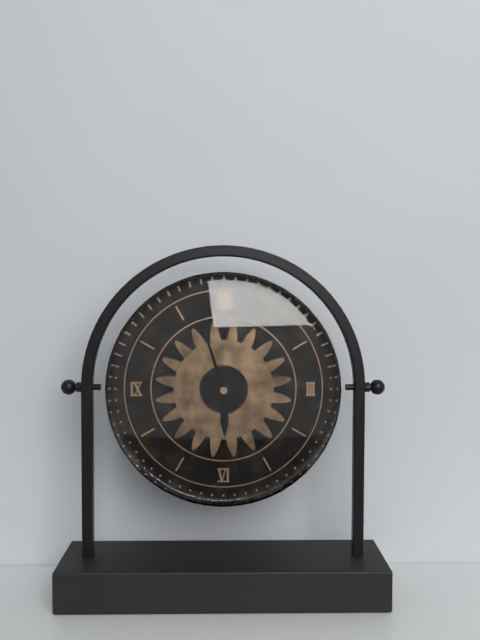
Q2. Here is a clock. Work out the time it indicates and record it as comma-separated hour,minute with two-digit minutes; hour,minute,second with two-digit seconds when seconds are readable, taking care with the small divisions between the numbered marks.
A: 5,57
